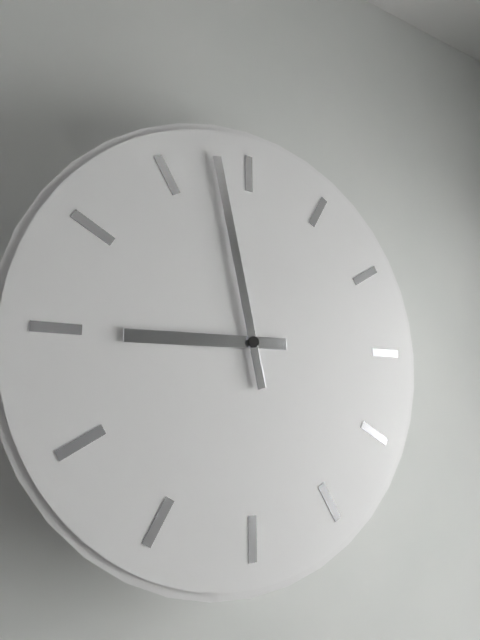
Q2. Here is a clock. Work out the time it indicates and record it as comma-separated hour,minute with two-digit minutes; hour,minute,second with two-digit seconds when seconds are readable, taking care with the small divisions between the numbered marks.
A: 8,58
